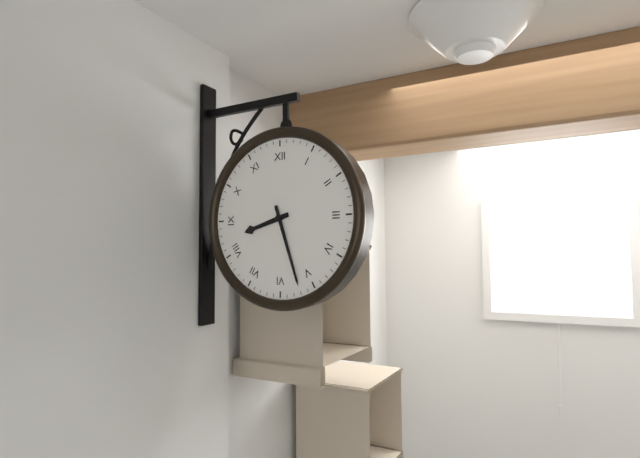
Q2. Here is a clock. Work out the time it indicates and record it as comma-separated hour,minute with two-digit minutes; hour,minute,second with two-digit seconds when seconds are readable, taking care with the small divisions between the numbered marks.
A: 8,27
